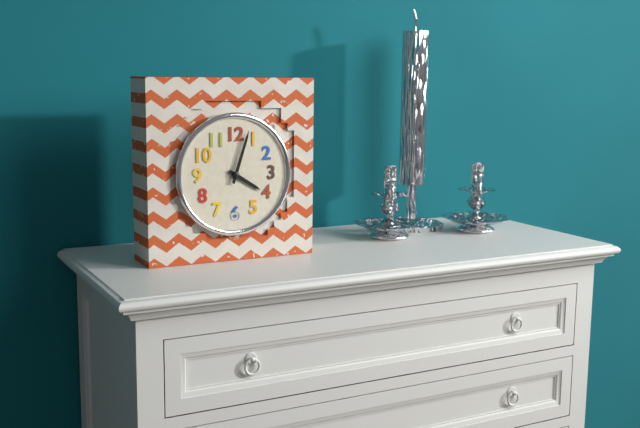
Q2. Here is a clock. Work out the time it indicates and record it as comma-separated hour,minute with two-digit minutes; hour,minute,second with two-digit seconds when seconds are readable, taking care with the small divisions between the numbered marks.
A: 4,03
